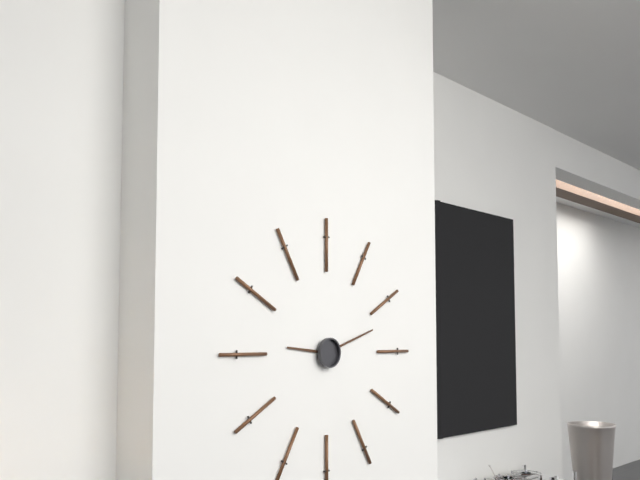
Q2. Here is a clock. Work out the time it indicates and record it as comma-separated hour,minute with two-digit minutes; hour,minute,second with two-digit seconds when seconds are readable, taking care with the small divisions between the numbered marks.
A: 9,12
